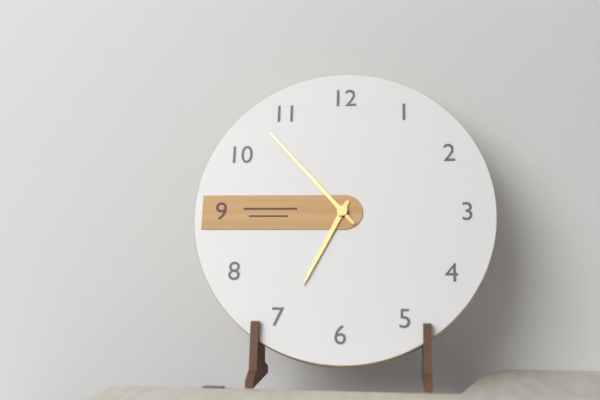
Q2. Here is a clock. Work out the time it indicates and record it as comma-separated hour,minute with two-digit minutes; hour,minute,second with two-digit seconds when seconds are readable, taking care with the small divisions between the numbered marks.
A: 6,53
